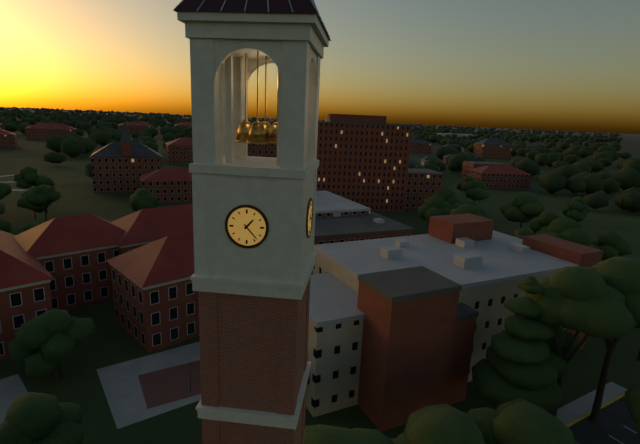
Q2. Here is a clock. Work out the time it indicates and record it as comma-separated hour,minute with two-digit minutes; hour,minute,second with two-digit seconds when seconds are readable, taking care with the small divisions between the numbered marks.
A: 1,23
